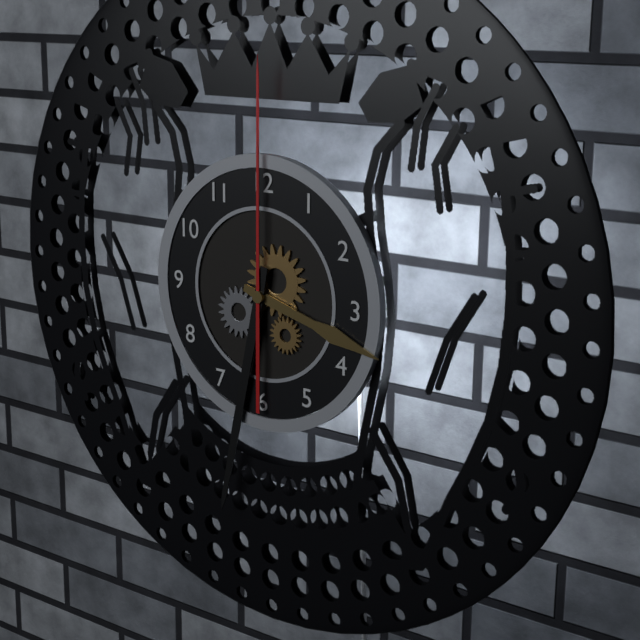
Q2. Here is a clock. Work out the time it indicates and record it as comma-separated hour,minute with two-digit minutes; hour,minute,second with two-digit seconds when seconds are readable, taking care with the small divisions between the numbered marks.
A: 3,32,00
